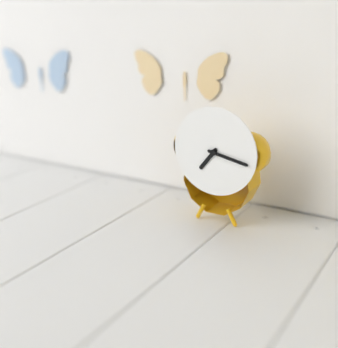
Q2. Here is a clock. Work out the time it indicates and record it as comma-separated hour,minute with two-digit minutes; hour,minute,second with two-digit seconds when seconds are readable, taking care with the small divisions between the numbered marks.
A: 7,17
